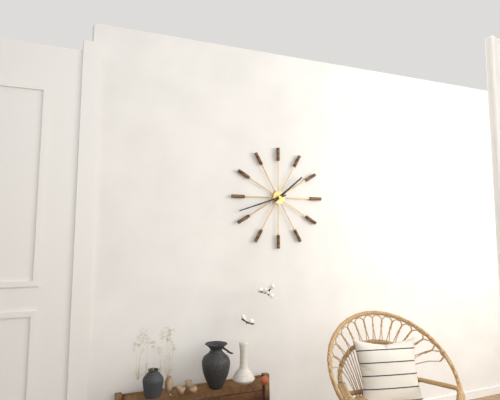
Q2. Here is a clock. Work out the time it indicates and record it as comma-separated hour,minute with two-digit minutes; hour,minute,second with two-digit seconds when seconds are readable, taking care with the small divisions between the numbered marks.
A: 1,42
